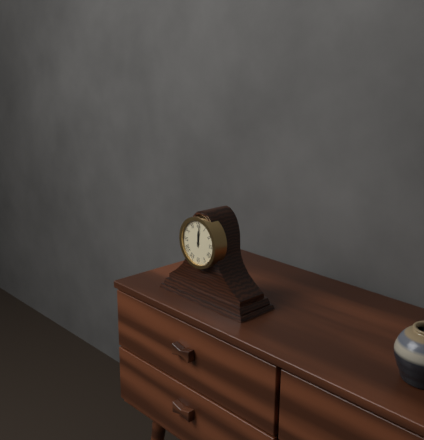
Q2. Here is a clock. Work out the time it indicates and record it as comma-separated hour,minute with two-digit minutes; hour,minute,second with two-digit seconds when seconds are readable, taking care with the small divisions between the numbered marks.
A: 12,01
